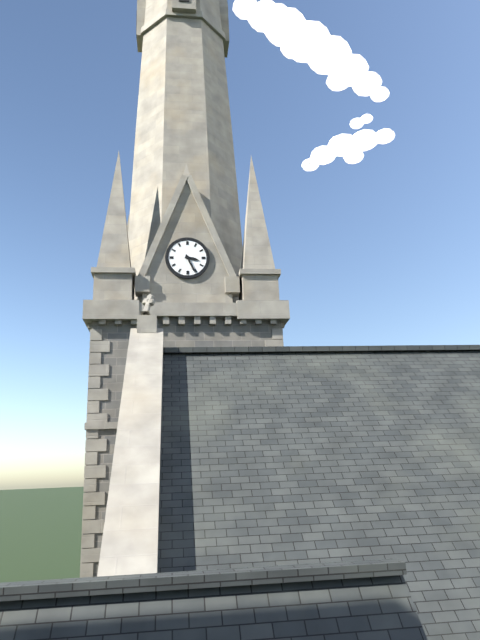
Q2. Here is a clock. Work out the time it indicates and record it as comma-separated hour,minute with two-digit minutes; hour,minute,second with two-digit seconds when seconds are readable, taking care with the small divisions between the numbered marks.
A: 3,26
